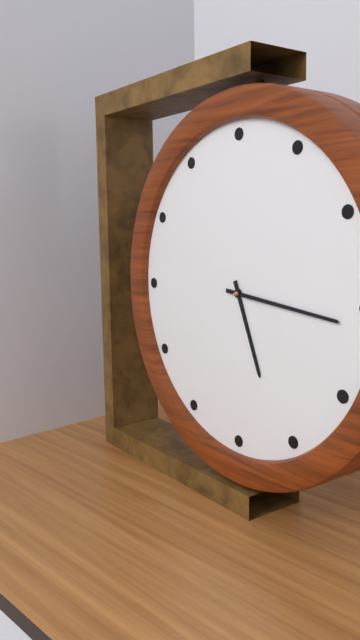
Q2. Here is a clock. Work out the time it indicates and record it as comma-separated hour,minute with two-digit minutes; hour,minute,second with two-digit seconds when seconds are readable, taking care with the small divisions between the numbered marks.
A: 5,16
